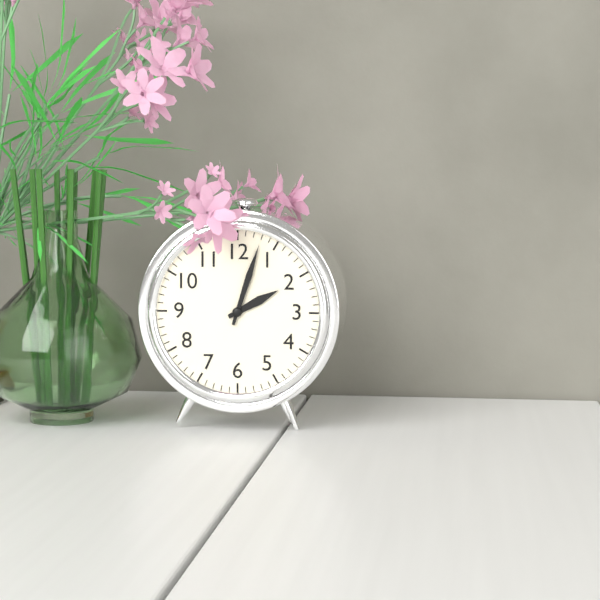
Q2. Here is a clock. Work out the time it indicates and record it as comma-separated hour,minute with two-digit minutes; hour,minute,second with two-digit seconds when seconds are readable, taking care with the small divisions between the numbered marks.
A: 2,03
